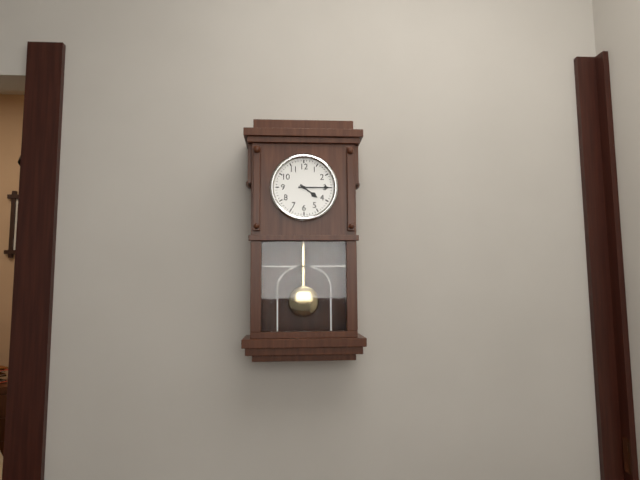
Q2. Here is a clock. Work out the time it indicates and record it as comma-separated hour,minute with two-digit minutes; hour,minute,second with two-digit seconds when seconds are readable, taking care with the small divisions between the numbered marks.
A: 4,15
